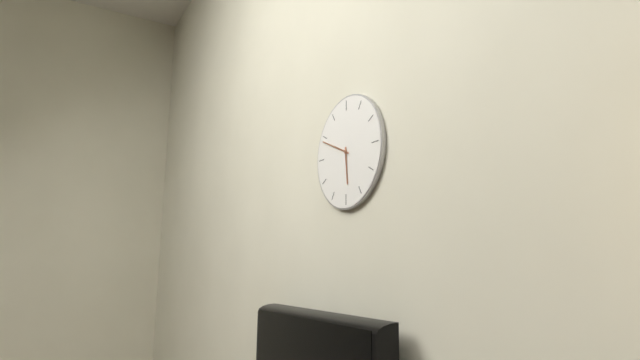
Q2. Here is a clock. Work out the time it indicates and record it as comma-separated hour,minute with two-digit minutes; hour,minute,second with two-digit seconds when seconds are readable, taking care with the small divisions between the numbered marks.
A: 5,49
